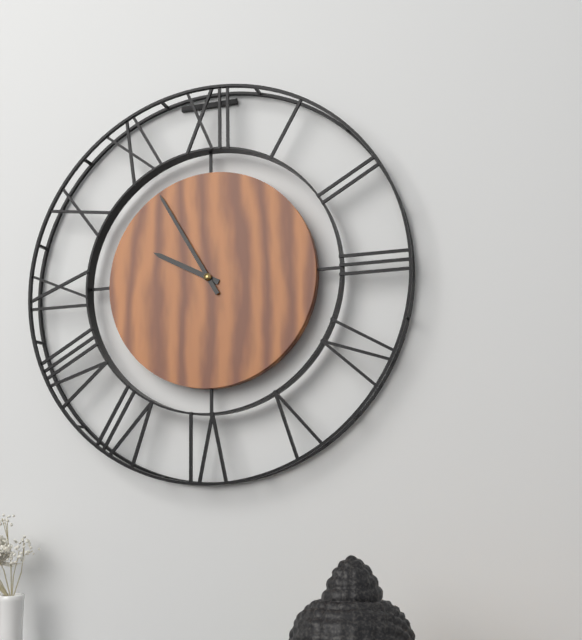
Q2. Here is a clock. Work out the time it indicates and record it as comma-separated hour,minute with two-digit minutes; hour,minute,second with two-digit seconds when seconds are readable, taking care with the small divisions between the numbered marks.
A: 9,55
